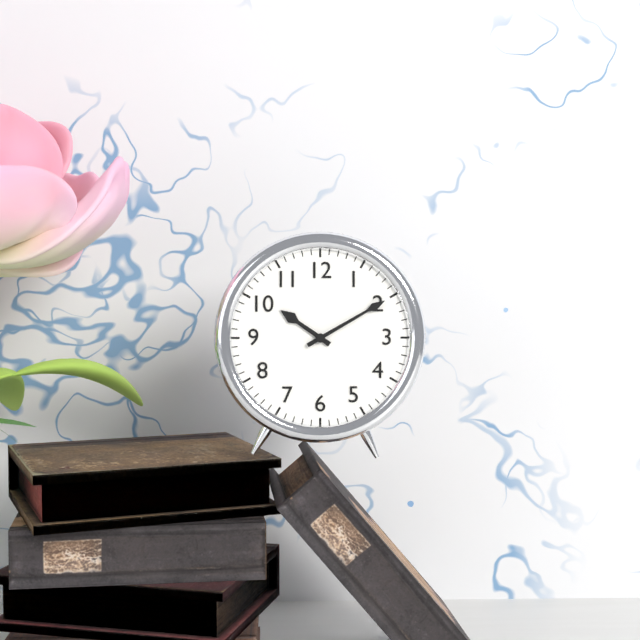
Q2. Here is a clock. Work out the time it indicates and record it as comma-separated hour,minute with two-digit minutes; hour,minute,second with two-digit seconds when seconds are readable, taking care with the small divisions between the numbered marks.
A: 10,10
